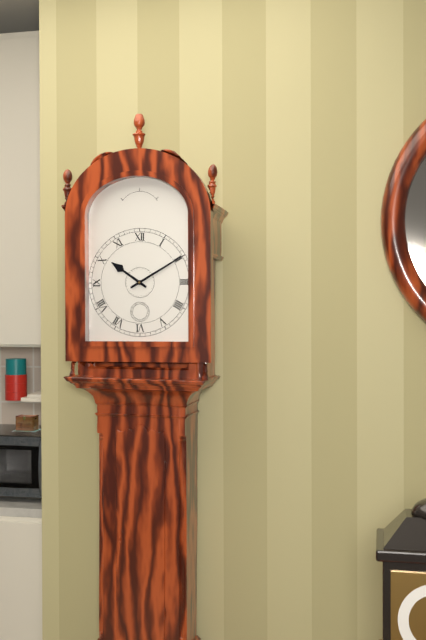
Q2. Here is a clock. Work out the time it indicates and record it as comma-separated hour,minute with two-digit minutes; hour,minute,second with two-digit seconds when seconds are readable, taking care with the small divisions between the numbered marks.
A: 10,10
